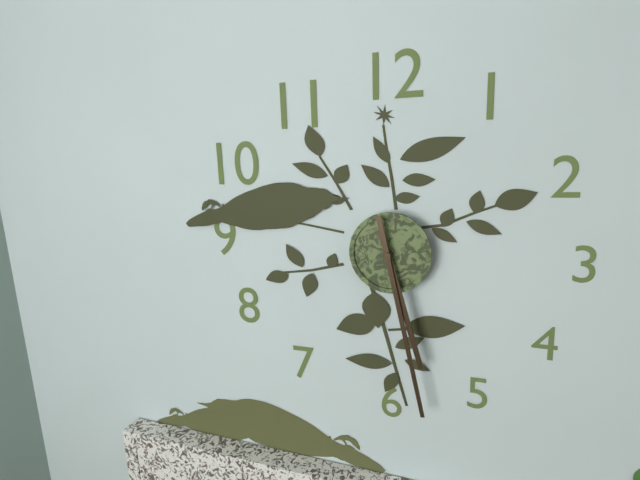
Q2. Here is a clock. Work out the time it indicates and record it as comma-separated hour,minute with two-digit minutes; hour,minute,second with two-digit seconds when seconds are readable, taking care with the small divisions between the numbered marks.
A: 5,28
